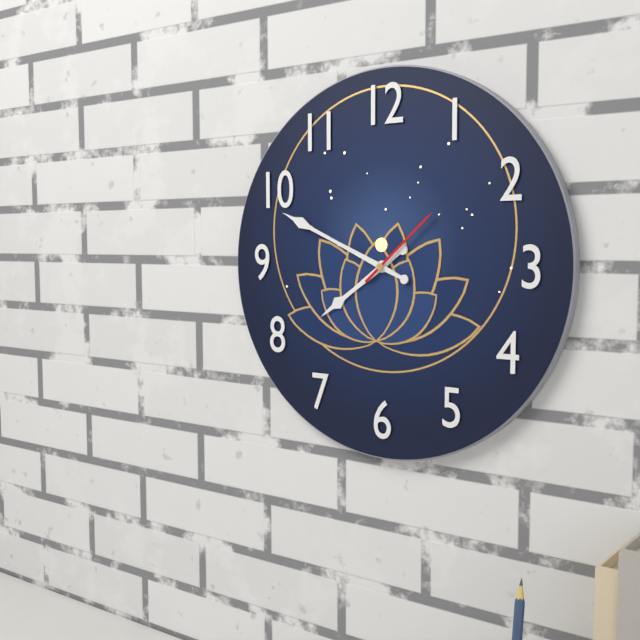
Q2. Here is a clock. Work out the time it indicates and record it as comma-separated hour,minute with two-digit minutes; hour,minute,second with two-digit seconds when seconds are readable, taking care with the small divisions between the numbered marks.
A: 7,49,08
